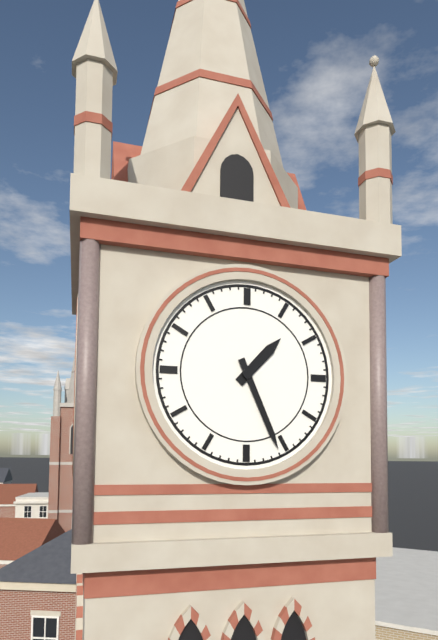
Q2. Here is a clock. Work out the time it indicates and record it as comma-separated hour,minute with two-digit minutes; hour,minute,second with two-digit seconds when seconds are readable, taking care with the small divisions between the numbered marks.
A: 1,26
